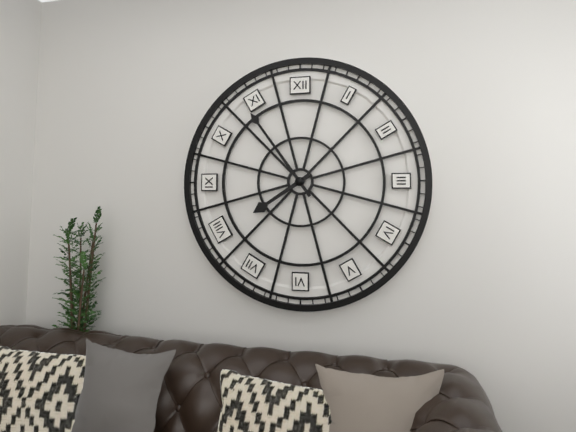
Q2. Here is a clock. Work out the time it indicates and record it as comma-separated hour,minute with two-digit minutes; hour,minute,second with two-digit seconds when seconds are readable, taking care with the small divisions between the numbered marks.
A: 7,54
